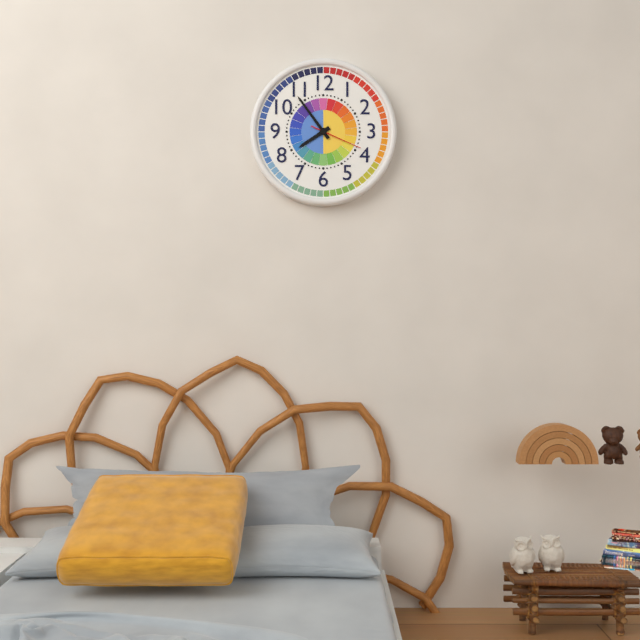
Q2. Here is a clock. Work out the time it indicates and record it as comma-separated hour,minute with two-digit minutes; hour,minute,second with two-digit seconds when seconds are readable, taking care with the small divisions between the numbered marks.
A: 7,54,19
